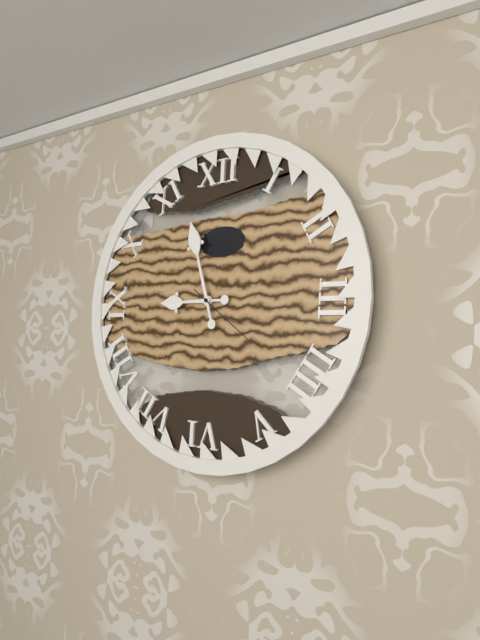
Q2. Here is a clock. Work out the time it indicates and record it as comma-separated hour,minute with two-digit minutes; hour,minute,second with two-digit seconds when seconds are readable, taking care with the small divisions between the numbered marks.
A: 8,57,21
